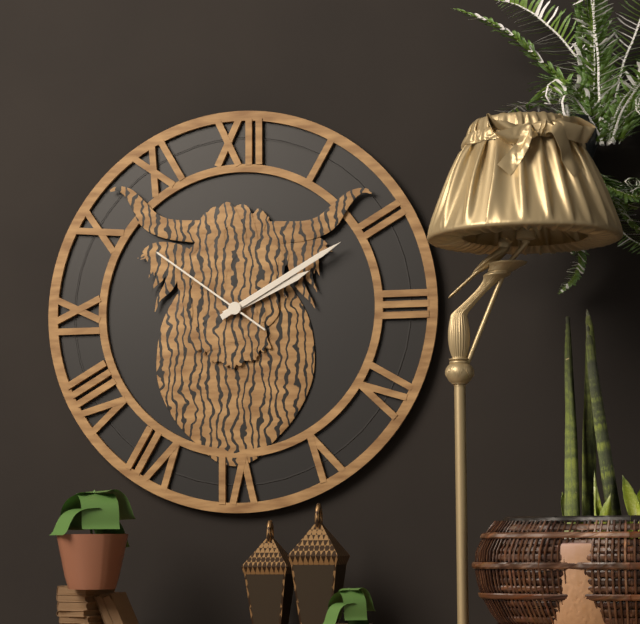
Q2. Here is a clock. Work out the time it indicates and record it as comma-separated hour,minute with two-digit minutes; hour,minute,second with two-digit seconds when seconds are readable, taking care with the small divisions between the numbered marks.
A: 2,10,51
